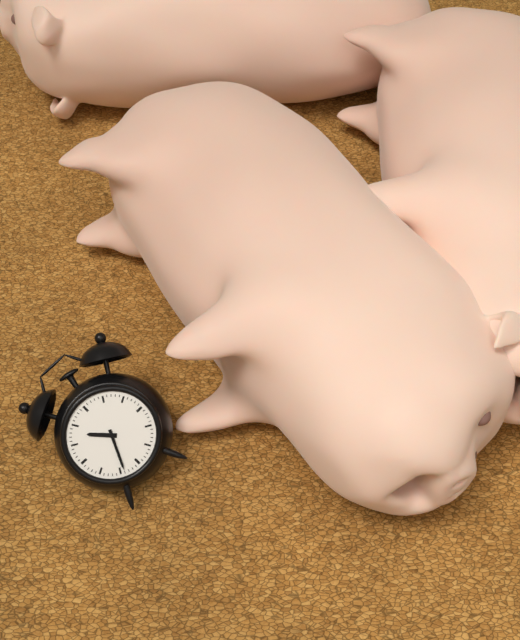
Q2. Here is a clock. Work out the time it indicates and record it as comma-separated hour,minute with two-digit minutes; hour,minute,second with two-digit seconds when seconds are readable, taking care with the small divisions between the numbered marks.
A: 10,34
